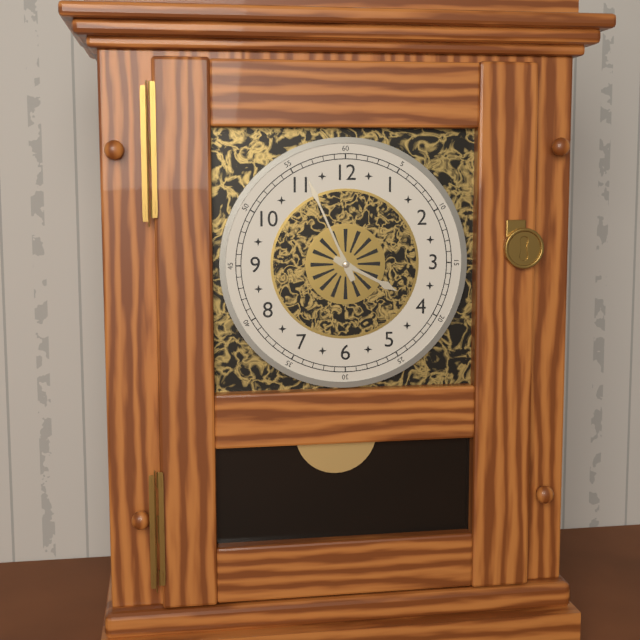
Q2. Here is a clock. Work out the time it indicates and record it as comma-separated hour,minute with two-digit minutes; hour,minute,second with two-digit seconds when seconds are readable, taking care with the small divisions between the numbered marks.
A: 3,56
